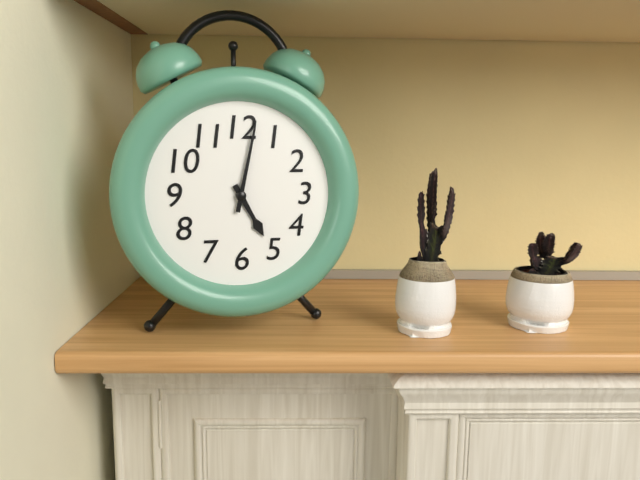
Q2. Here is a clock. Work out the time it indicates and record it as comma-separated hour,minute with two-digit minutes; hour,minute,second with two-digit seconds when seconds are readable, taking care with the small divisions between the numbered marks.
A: 5,02
